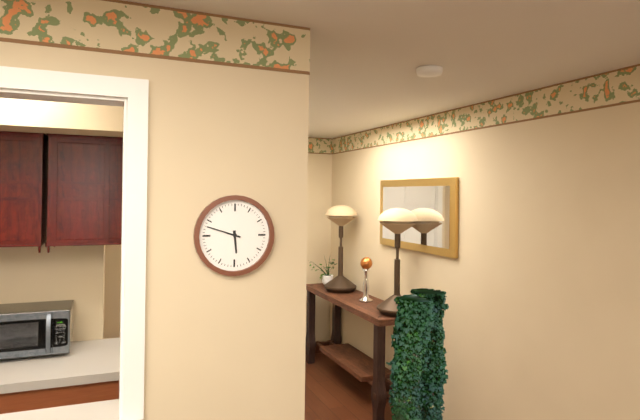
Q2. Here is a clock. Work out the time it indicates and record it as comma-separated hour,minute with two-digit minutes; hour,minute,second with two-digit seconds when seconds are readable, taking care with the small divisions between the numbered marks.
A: 5,48
